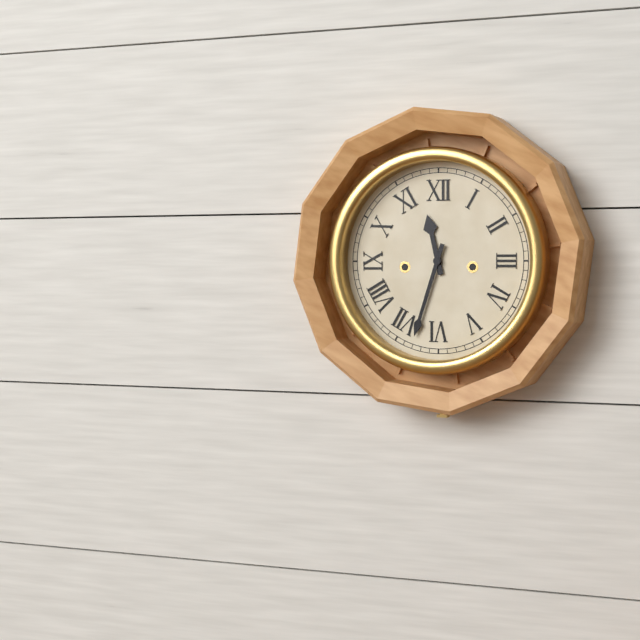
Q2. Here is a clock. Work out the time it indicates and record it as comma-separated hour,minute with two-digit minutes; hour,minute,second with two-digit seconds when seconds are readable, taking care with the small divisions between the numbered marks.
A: 11,33
